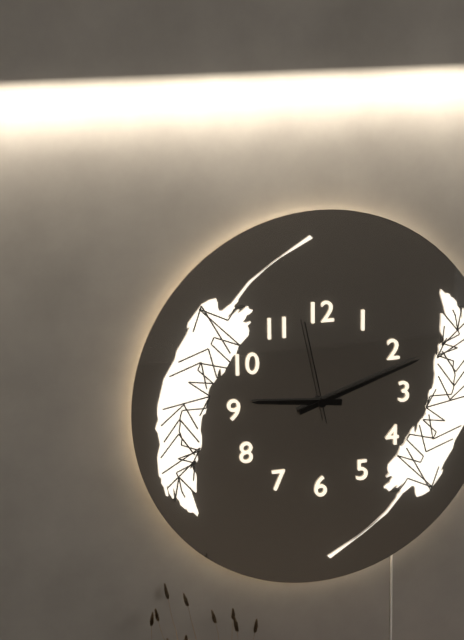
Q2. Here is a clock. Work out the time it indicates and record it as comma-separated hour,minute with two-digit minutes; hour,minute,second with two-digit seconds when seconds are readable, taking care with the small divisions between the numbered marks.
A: 9,12,58
